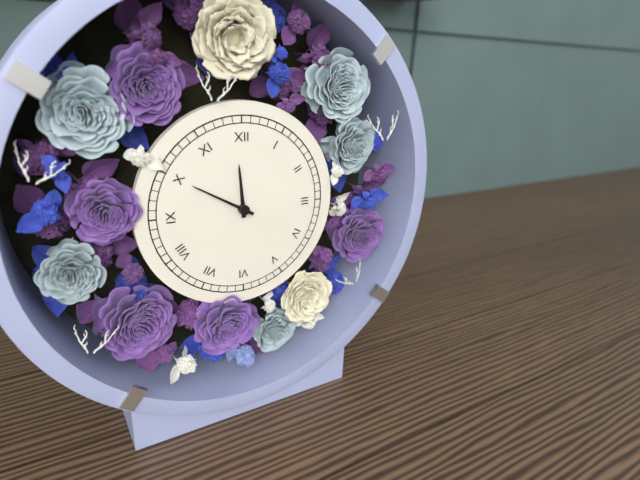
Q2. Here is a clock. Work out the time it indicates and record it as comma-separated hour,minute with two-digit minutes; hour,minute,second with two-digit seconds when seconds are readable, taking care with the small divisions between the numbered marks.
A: 11,50
